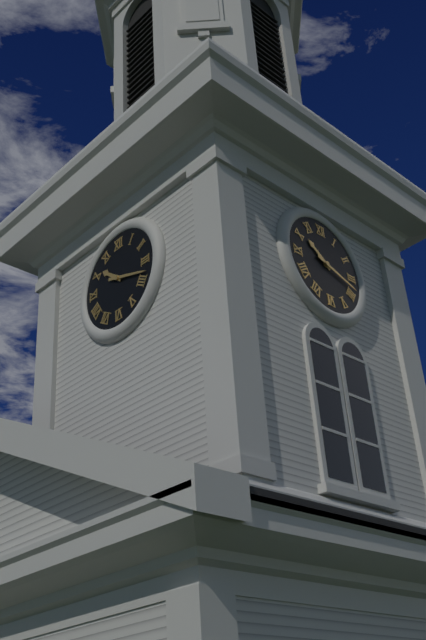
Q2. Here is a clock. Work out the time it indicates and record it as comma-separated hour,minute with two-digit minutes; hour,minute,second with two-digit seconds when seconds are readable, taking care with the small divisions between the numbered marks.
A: 10,18
